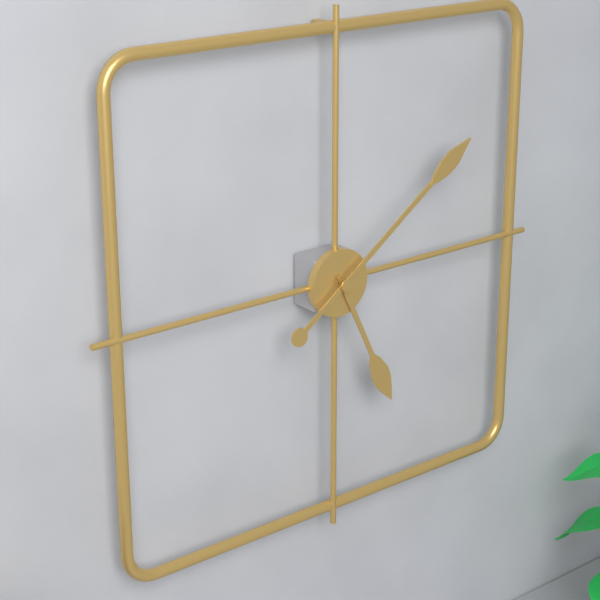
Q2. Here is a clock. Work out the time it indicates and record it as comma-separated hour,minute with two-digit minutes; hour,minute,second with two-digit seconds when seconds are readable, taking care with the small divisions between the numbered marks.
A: 5,09
